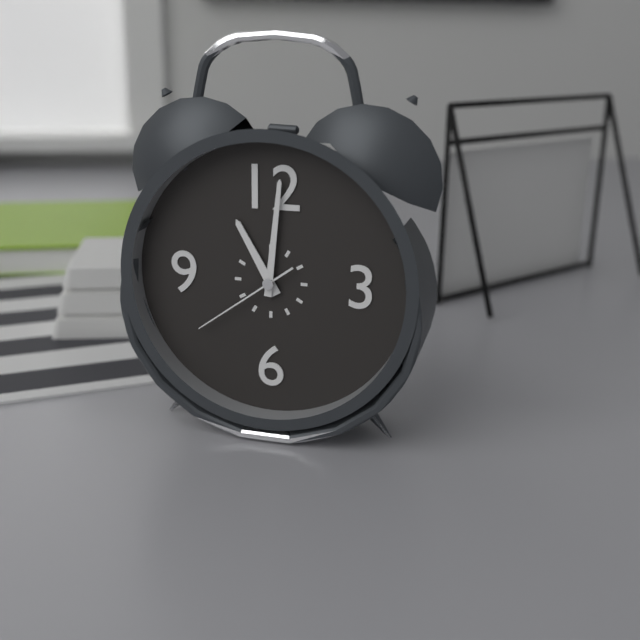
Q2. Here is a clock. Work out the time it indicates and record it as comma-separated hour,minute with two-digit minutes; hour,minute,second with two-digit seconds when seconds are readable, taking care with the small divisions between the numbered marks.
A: 11,01,39
